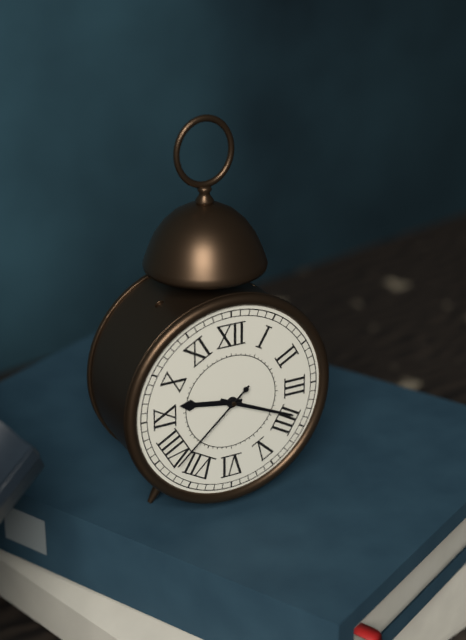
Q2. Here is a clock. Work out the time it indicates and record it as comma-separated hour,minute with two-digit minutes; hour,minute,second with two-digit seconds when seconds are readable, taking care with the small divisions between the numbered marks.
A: 9,19,38
